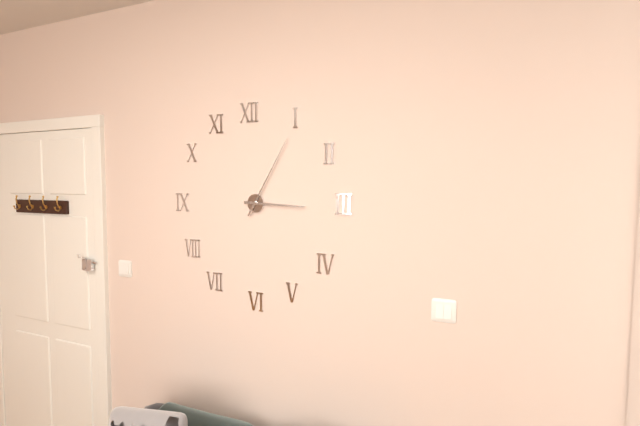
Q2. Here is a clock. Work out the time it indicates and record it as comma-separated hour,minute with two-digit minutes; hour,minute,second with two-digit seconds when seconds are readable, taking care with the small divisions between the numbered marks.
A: 3,05
